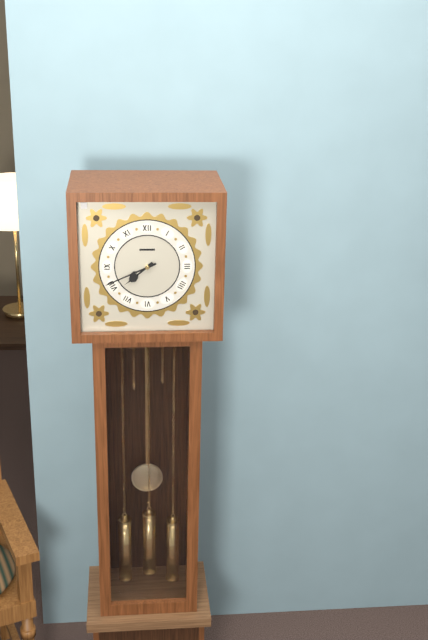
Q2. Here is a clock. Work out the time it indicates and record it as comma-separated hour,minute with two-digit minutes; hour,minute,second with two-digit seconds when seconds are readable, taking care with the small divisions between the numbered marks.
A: 7,41
